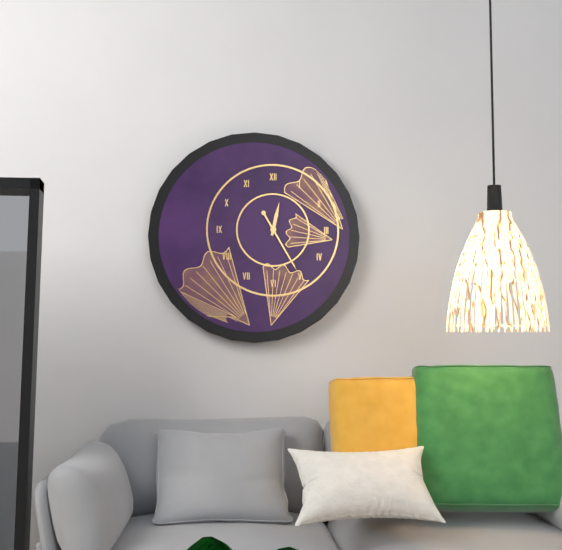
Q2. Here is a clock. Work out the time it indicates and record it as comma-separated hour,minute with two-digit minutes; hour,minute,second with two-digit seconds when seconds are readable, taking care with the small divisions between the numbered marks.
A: 12,25
